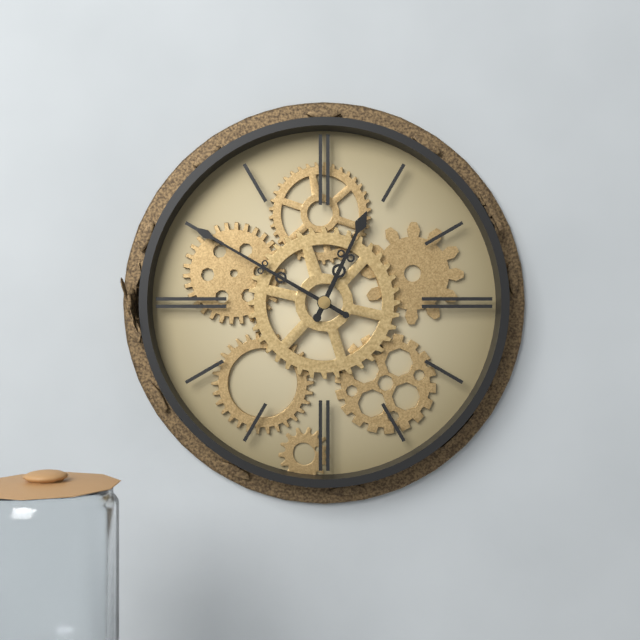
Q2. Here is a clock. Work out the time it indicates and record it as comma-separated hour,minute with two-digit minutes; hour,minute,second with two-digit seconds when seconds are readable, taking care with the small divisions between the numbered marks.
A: 12,50
